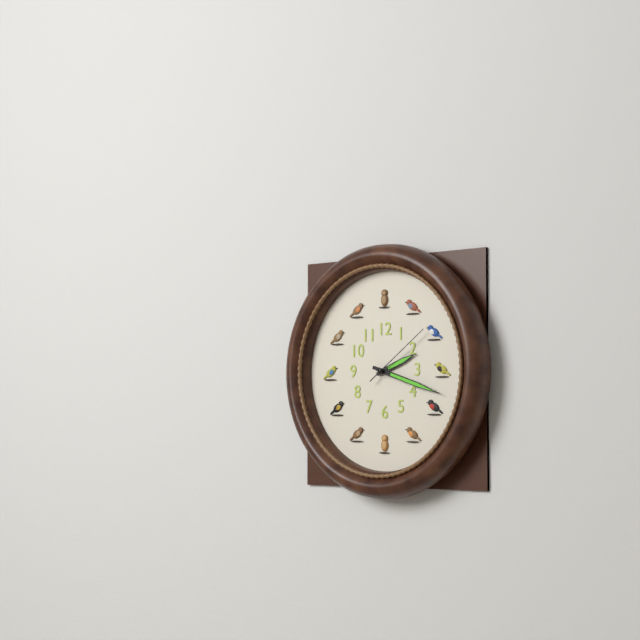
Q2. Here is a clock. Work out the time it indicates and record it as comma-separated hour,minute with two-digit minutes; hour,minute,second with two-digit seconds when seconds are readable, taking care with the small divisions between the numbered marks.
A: 2,18,09
